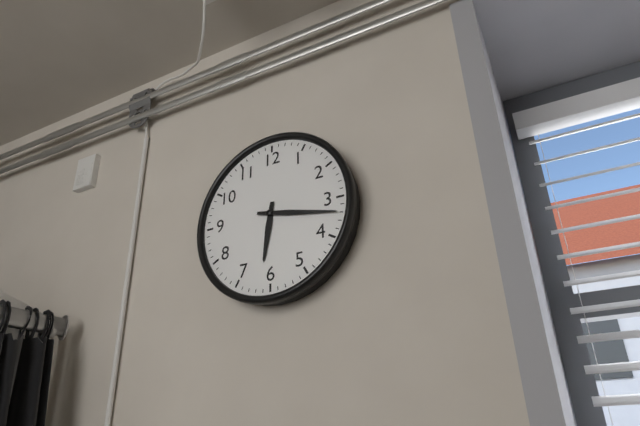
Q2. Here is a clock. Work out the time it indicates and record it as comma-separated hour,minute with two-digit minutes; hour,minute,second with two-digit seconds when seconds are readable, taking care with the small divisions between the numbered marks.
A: 6,17
